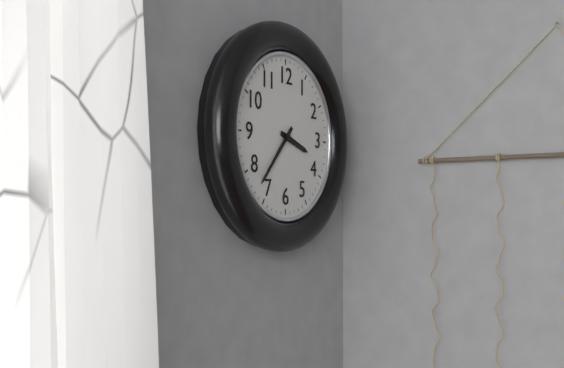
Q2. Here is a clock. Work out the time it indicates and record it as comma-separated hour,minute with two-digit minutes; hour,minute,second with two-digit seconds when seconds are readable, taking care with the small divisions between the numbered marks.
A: 3,37
